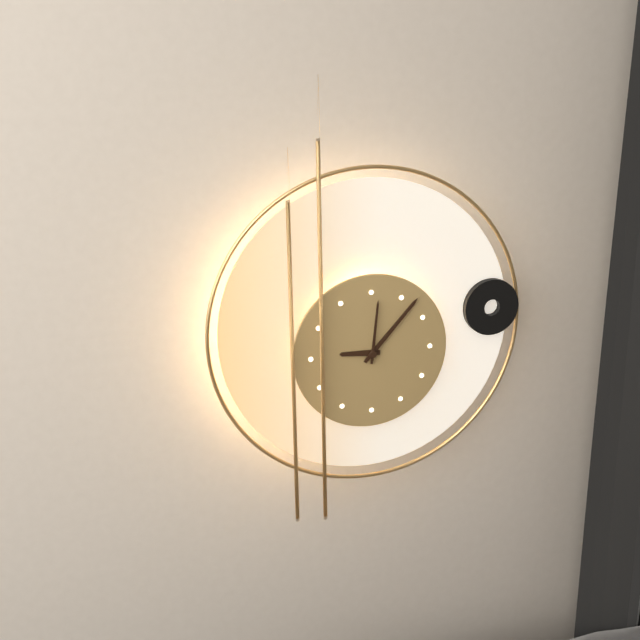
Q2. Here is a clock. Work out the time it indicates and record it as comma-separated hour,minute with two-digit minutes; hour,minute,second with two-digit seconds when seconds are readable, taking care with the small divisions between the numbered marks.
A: 9,07,01
